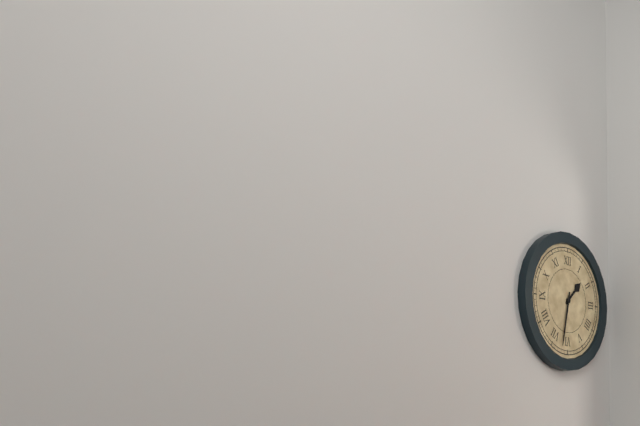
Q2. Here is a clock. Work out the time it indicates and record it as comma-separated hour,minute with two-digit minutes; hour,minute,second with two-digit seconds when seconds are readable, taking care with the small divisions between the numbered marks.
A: 1,32
